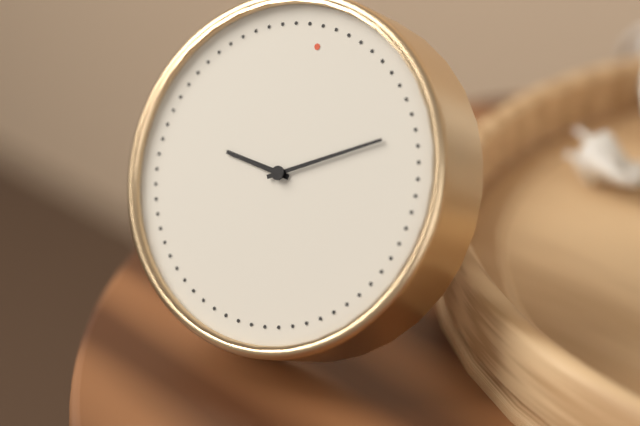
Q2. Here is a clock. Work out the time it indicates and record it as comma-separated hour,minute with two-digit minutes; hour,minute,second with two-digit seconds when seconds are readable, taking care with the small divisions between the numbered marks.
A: 9,10
